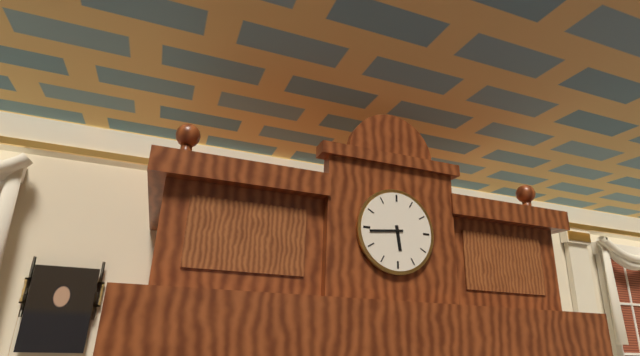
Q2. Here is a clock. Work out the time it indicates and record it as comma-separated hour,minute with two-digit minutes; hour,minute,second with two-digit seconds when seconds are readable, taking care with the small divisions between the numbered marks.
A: 5,44
